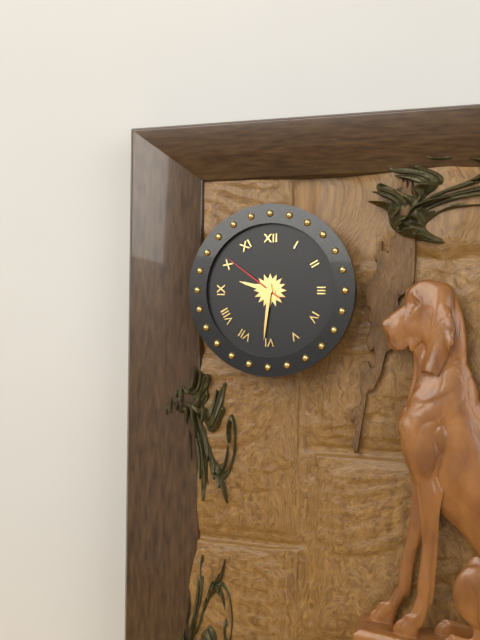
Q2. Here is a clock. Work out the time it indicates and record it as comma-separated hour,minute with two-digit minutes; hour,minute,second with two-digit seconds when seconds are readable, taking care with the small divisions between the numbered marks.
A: 9,31,51
